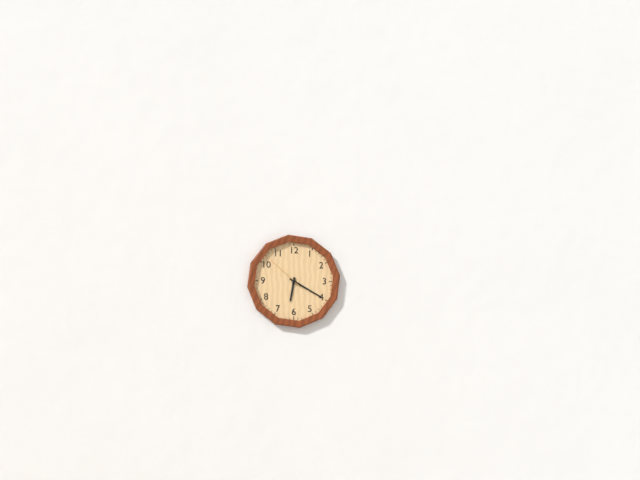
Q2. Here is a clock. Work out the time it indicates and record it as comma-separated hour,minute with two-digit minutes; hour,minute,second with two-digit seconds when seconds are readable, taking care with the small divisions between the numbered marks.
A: 6,20
